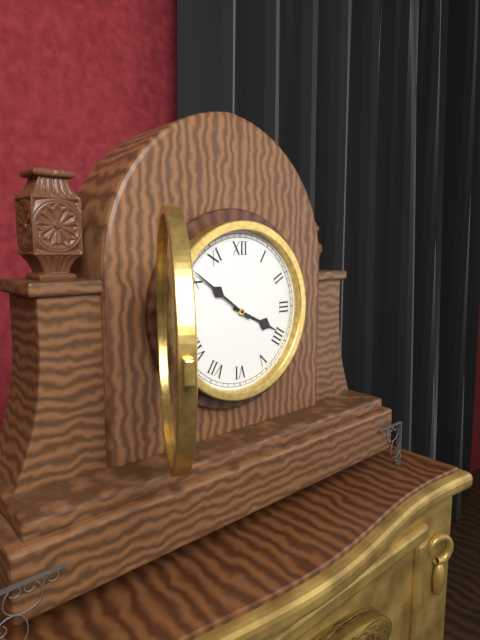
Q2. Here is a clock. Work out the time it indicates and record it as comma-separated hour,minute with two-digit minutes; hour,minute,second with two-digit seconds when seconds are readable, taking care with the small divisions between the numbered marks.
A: 3,51
